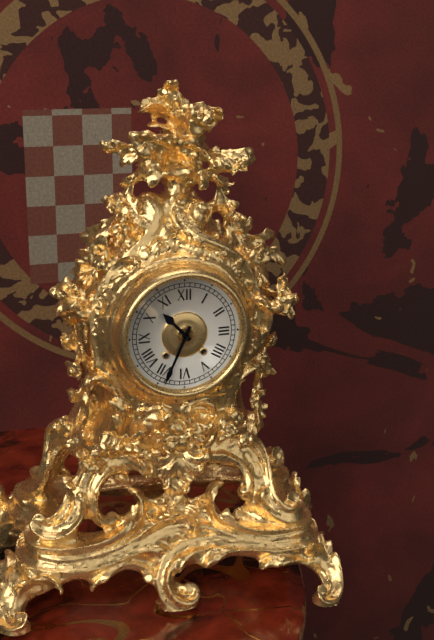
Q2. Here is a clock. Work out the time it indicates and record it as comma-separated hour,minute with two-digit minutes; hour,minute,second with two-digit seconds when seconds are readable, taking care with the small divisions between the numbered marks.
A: 10,34
